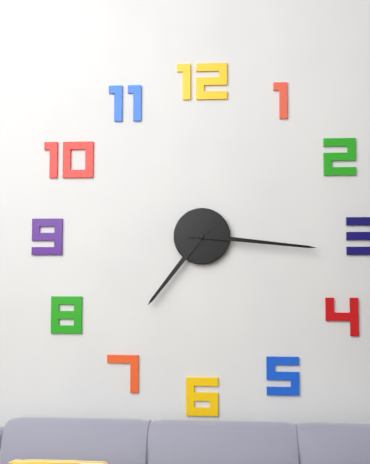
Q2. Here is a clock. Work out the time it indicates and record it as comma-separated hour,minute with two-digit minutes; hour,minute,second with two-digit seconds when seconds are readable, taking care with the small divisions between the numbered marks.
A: 7,16
